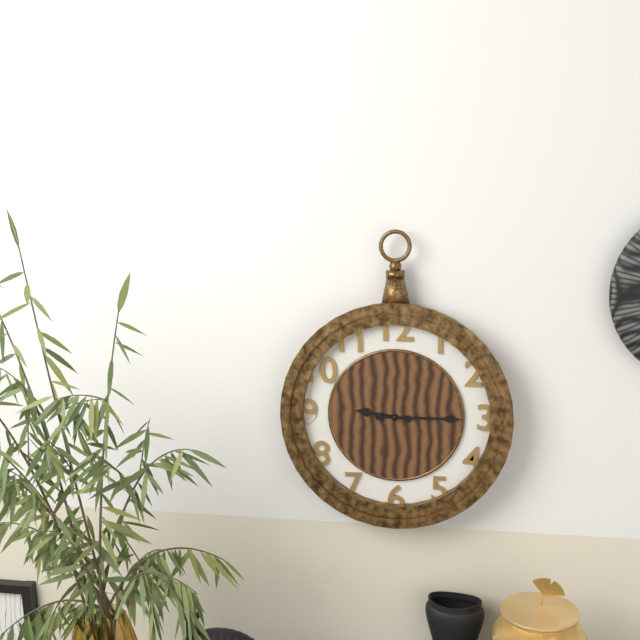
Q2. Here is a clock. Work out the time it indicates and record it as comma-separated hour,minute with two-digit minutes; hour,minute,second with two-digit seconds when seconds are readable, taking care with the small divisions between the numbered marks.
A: 9,15
